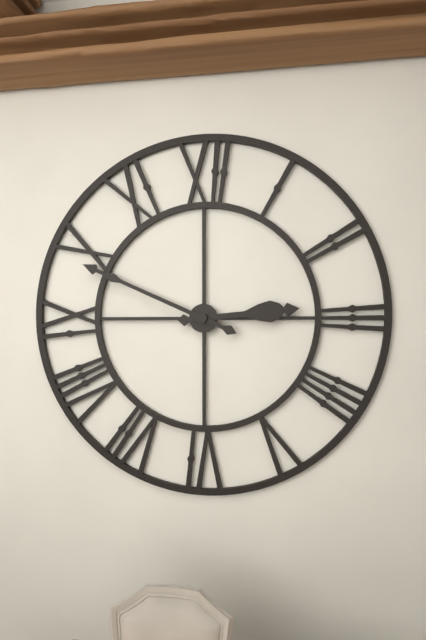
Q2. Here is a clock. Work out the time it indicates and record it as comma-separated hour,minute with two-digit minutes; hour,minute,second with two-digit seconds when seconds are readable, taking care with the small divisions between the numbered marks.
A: 2,49
